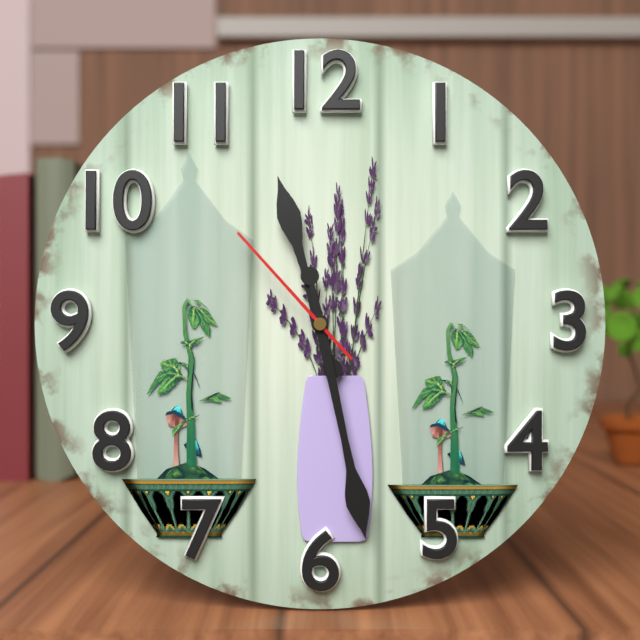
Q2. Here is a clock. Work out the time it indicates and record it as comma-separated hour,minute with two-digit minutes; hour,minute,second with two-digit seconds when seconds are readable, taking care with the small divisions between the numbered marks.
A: 11,28,53
